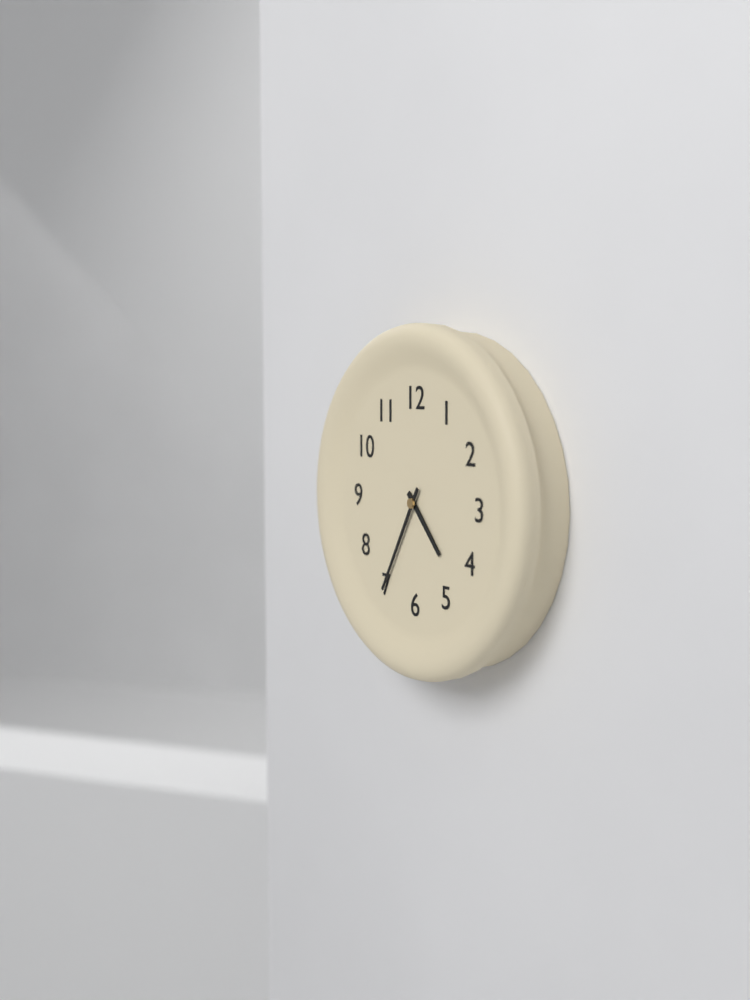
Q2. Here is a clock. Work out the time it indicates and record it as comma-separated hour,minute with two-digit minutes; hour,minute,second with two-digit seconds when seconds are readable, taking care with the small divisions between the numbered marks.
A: 4,35
